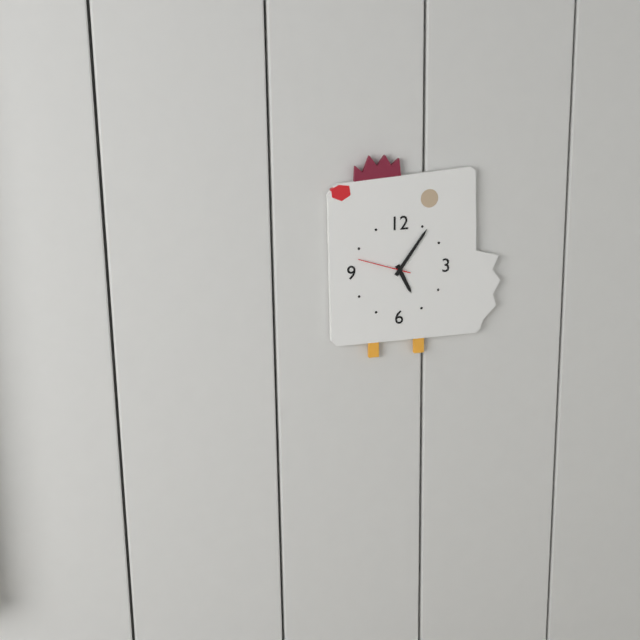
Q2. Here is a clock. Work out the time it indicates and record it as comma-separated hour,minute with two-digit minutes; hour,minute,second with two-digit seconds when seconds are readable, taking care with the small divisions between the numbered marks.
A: 5,06,48
